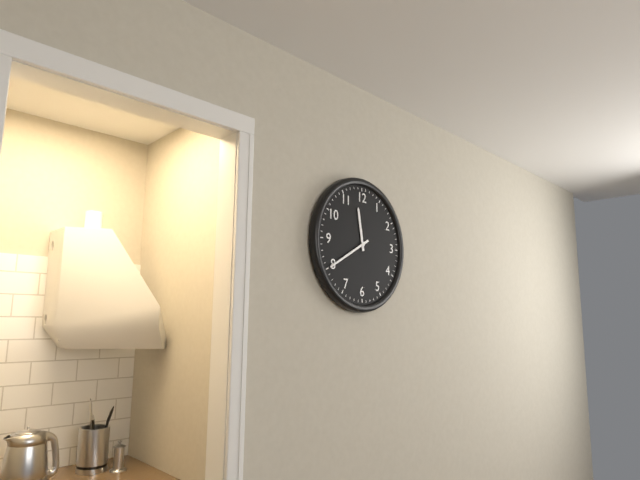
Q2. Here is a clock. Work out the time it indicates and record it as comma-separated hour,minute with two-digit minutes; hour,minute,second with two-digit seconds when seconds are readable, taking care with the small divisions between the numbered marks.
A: 11,40
